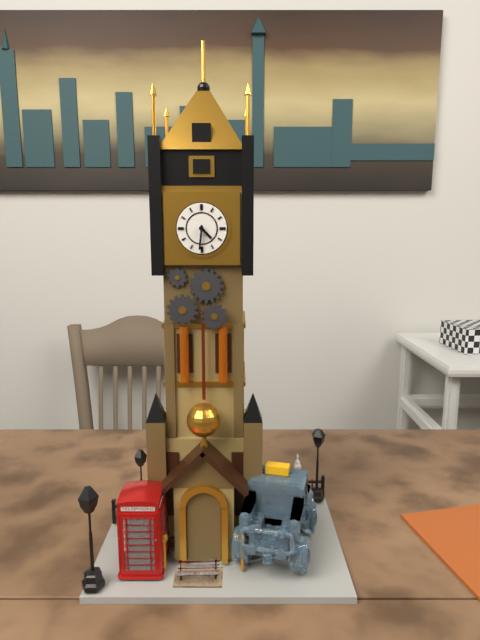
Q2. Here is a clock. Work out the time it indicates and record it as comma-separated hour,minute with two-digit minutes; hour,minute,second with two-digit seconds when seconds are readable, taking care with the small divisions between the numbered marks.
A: 4,31
